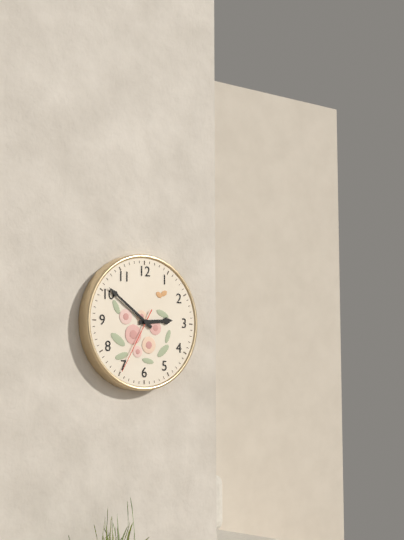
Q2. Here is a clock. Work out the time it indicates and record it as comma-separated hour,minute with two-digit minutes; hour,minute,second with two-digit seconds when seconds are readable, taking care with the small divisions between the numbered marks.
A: 2,51,35
